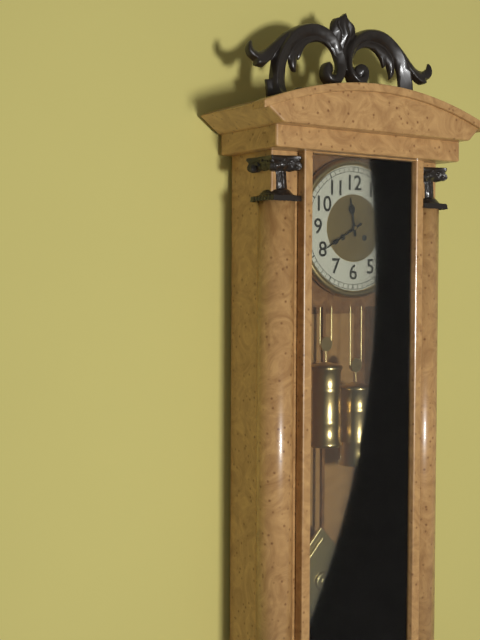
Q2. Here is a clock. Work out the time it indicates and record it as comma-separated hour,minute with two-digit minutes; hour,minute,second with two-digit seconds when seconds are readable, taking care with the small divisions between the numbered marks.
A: 11,40
